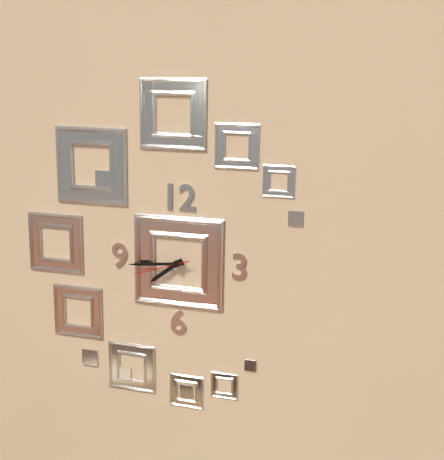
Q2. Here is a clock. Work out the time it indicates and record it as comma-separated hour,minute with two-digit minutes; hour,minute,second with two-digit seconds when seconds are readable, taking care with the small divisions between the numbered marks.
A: 7,44,42
